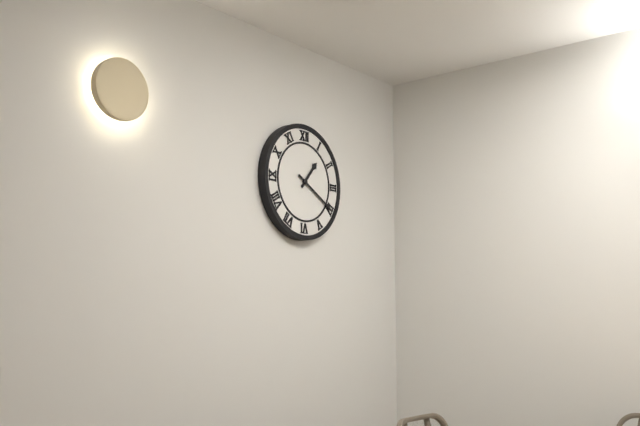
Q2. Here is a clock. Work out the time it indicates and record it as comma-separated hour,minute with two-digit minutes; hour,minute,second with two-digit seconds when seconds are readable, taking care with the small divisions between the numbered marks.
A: 1,20
